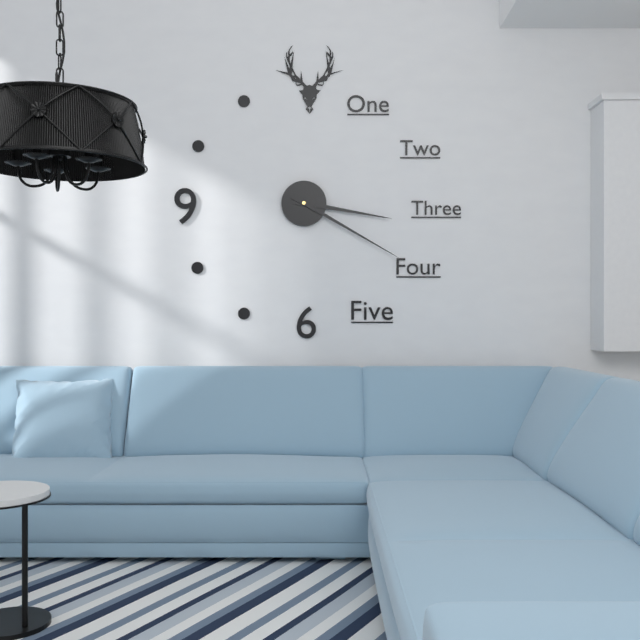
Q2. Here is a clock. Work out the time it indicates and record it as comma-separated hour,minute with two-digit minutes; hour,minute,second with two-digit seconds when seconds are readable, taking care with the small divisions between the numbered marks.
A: 3,20
